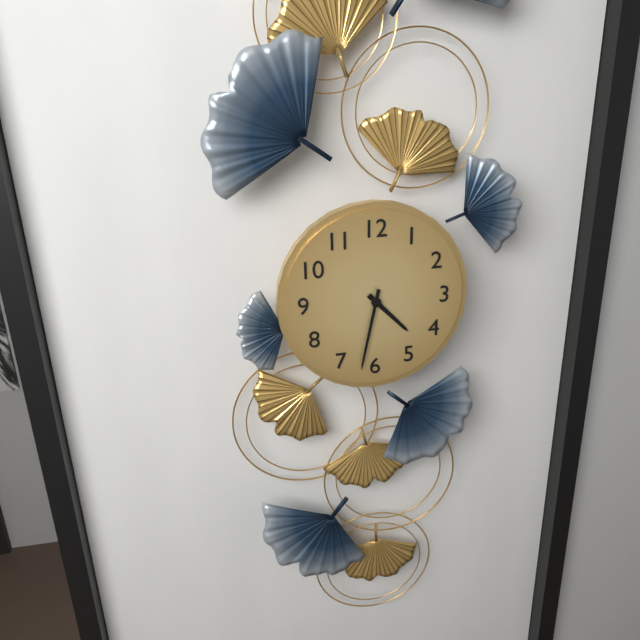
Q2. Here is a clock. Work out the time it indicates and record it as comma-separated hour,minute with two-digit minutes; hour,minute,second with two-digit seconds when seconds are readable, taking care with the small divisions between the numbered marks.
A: 4,32
